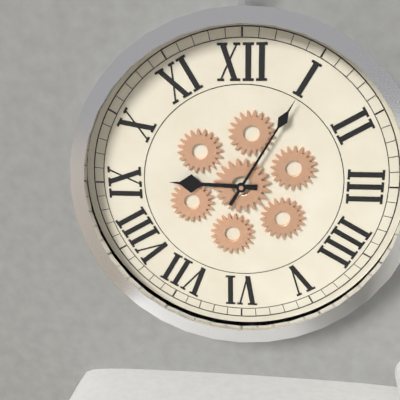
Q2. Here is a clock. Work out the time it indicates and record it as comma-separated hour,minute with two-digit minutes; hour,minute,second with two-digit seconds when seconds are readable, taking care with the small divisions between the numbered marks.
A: 9,05
